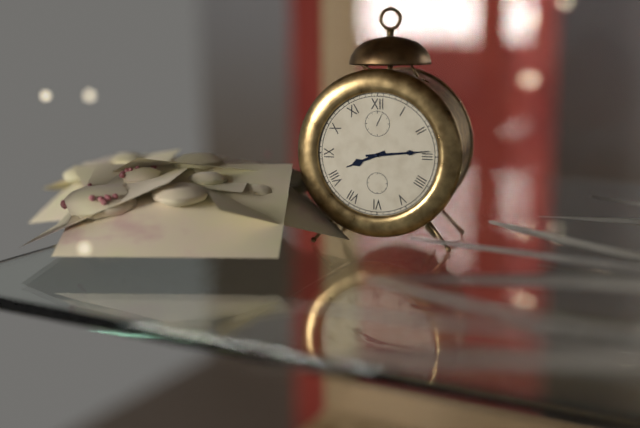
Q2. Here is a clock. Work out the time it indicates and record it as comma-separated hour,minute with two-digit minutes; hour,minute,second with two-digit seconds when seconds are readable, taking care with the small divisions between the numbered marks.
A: 8,14
